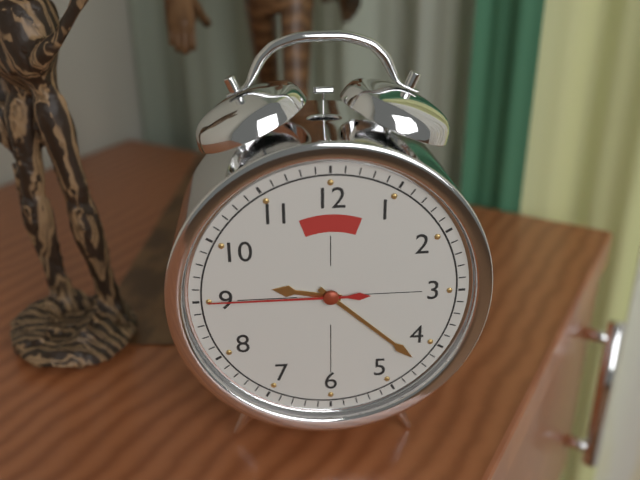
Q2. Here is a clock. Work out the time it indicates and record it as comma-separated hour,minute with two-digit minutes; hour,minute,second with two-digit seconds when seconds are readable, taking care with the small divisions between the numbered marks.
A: 9,22,45
